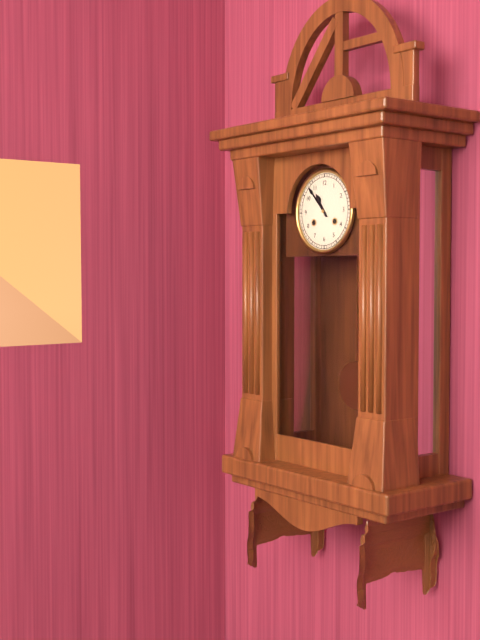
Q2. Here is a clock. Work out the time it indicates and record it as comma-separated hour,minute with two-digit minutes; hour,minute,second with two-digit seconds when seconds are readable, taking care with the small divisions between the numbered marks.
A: 10,53
